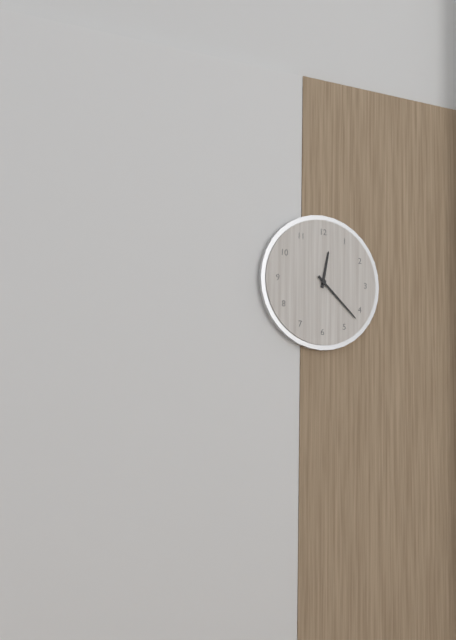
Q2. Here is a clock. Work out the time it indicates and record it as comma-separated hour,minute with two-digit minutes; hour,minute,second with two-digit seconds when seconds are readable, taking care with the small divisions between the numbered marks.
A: 12,22
